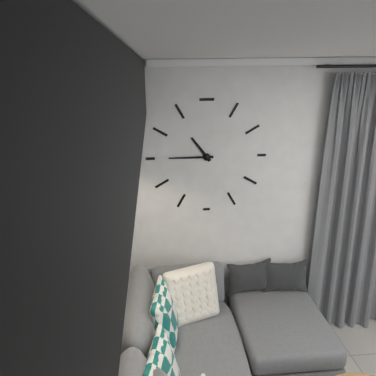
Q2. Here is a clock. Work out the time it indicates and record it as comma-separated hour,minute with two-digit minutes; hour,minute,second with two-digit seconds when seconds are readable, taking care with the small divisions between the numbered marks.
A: 10,45
